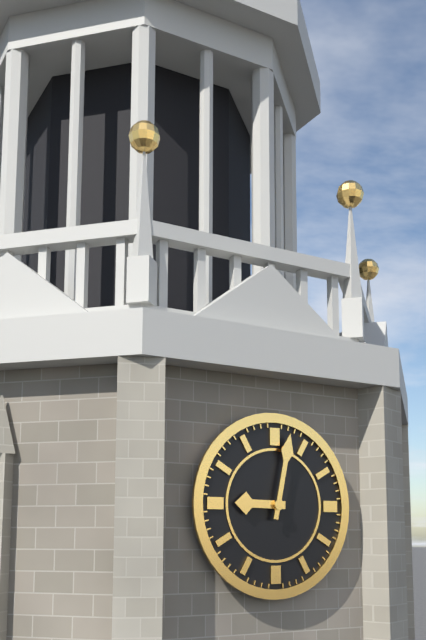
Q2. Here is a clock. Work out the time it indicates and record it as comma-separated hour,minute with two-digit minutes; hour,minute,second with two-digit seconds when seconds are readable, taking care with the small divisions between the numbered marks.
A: 9,02
